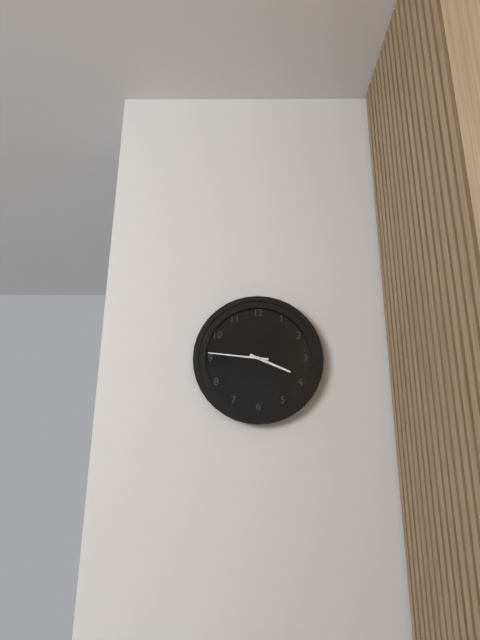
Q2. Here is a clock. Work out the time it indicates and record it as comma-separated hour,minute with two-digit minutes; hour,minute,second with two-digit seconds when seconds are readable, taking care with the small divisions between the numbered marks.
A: 3,46
